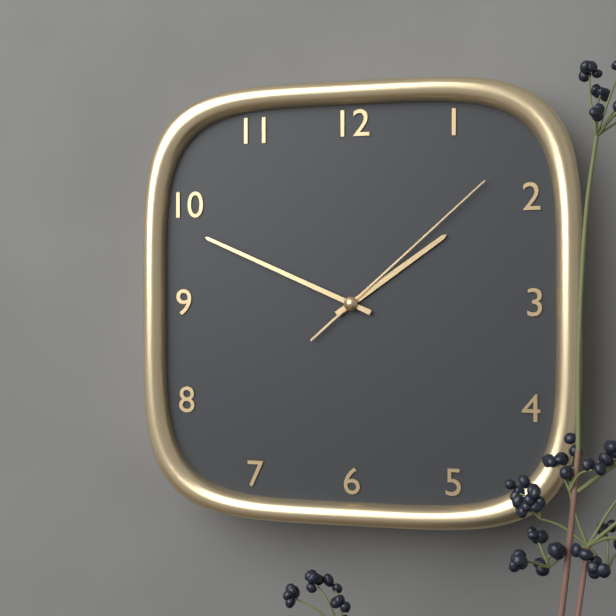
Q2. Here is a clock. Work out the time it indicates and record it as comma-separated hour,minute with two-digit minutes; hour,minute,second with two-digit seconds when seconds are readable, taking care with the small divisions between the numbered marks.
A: 1,49,08
